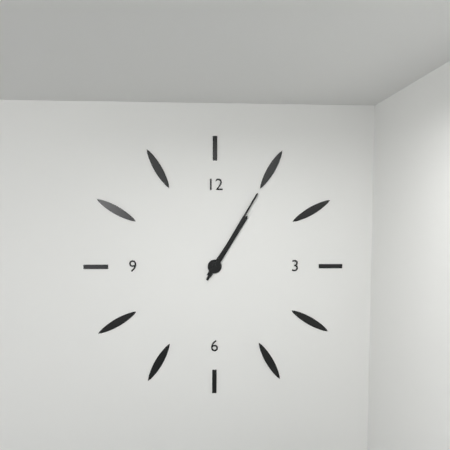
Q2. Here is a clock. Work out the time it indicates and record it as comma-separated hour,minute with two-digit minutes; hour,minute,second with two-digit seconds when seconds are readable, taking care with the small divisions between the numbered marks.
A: 1,05
